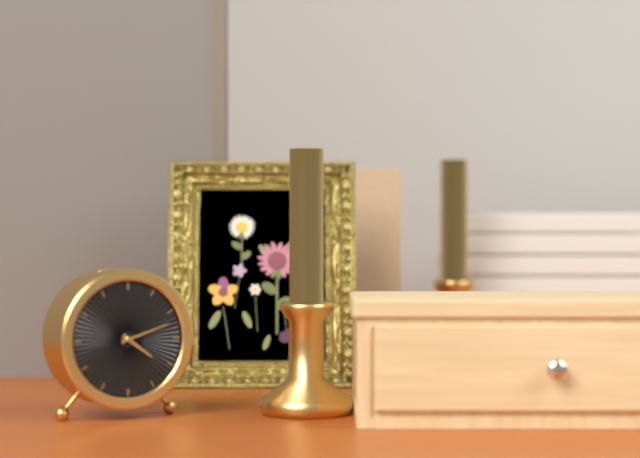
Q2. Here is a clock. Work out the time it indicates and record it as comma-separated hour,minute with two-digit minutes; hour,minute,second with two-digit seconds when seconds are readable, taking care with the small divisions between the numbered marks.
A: 4,12
